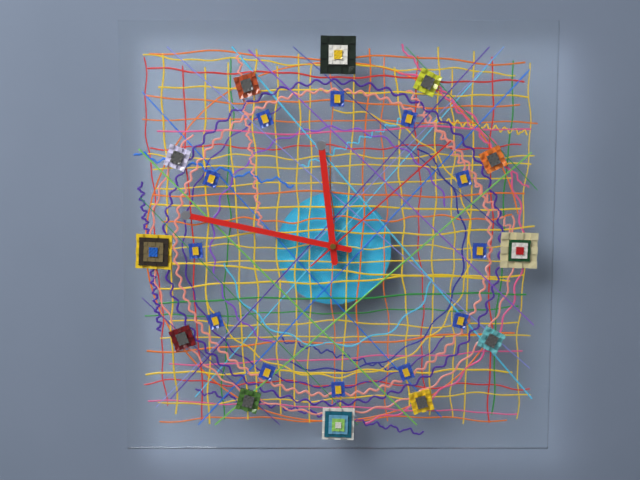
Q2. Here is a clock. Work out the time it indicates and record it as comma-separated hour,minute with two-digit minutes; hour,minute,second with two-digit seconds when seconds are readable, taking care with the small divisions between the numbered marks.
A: 11,47,08
